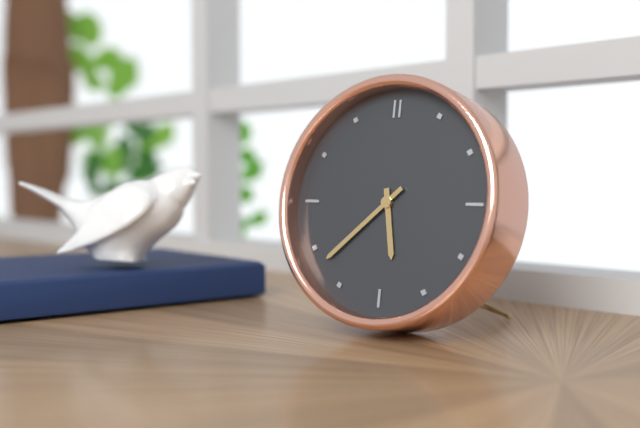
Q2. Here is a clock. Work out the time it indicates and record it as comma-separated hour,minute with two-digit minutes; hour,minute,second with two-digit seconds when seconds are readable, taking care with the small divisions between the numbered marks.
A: 5,38
